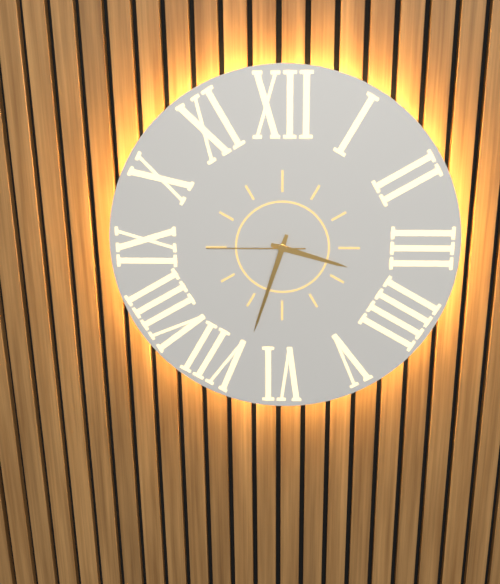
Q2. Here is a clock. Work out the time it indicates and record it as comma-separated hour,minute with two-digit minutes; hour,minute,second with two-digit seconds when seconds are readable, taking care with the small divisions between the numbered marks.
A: 3,33,45
